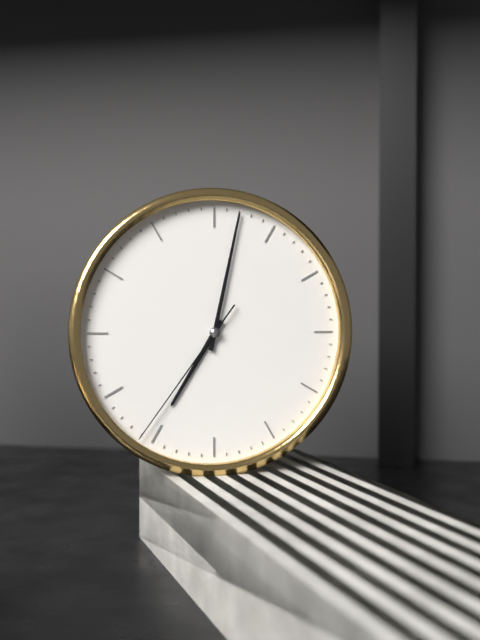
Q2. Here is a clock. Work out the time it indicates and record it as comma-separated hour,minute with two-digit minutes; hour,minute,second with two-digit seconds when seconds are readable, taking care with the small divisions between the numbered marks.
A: 7,02,36
